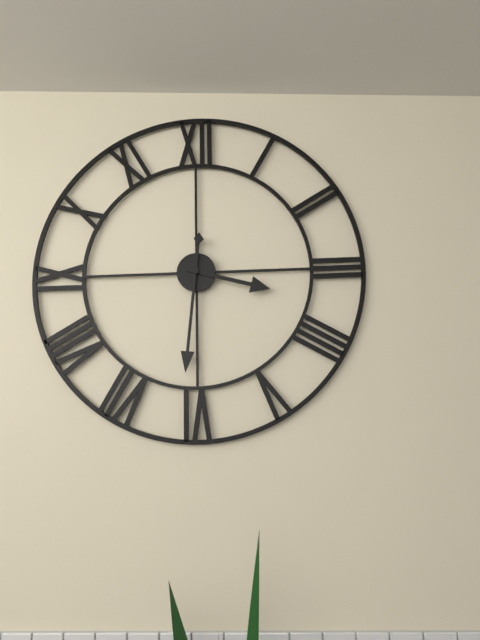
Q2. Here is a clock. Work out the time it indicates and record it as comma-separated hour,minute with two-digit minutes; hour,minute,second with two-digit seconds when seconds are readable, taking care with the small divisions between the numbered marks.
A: 3,31
